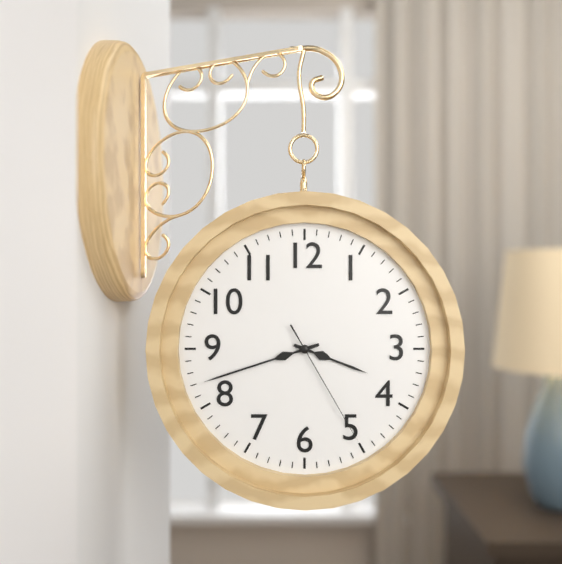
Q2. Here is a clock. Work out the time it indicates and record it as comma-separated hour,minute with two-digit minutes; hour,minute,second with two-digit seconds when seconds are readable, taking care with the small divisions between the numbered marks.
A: 3,42,25
